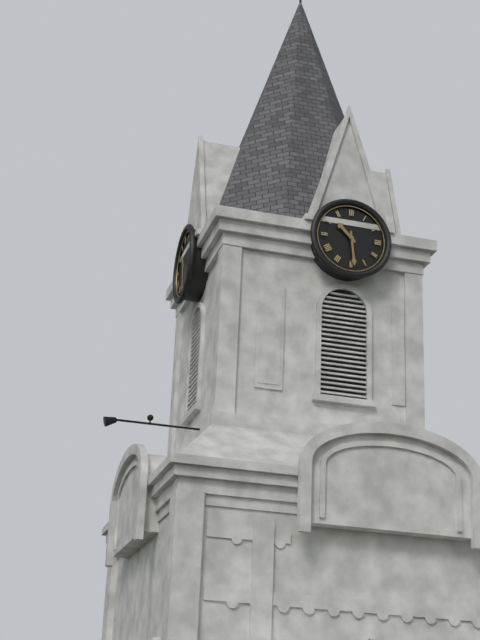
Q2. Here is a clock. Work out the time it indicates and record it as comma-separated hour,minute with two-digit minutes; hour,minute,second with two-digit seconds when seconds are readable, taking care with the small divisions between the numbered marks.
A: 10,29
